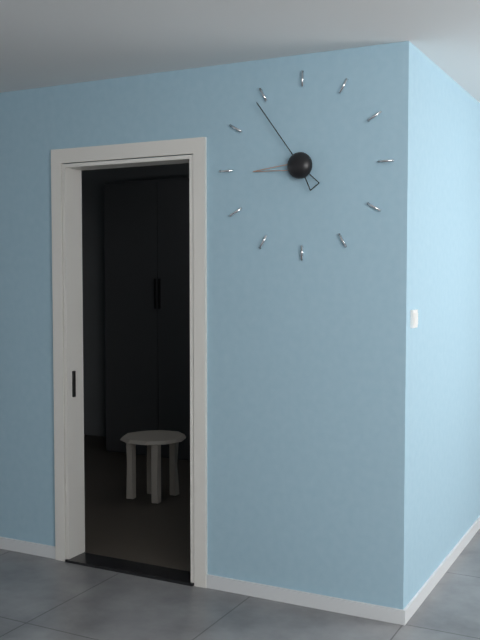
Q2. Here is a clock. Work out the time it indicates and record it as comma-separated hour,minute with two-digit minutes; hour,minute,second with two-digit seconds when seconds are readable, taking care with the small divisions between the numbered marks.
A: 8,54
